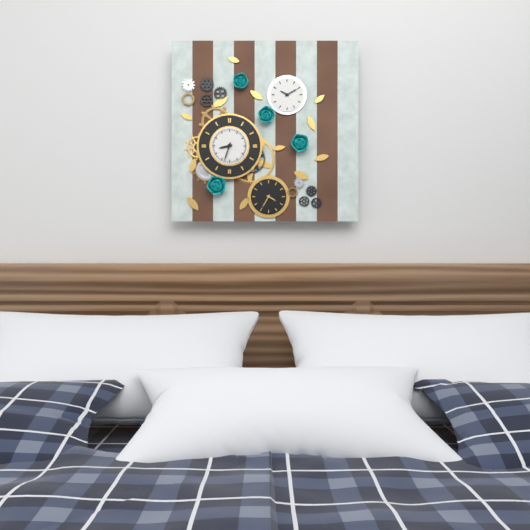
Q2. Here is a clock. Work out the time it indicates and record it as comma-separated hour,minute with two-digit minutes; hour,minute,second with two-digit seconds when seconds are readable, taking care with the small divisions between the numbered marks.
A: 8,33
